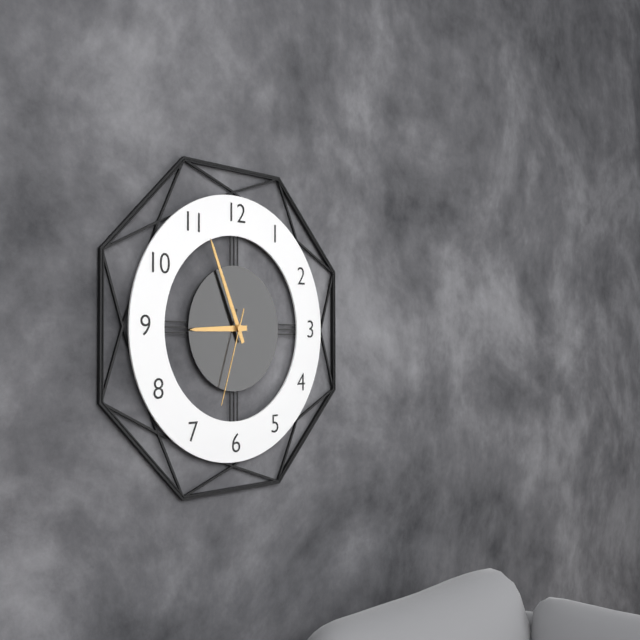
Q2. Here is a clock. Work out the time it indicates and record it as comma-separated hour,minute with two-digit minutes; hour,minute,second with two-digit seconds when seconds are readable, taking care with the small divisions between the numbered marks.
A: 8,56,33
